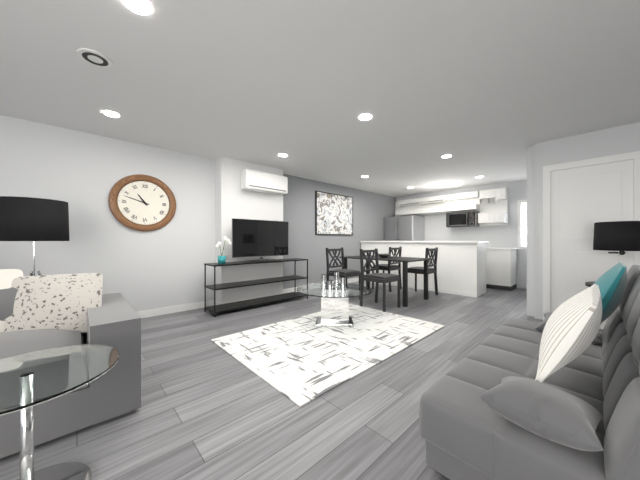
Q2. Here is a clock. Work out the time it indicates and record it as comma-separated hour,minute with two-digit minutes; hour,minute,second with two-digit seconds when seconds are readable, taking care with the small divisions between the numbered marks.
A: 10,48
